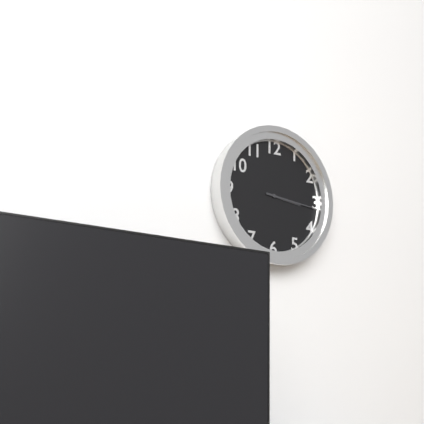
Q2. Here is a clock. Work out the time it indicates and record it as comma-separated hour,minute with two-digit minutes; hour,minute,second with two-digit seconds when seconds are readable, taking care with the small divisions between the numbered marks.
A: 3,16
